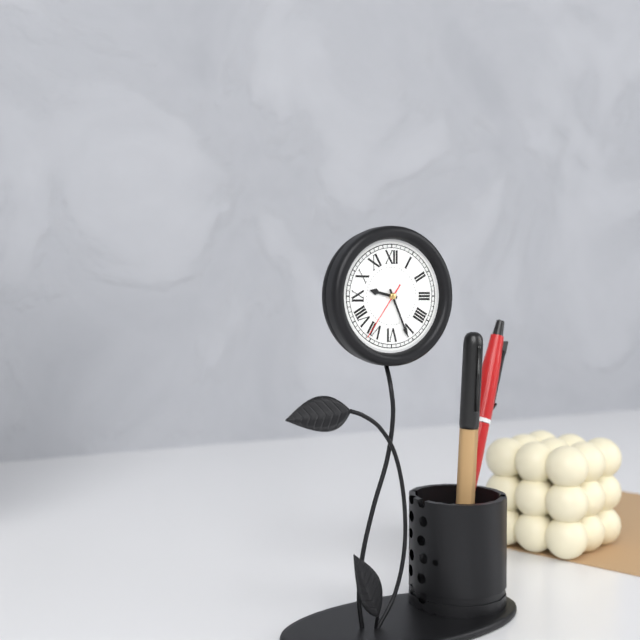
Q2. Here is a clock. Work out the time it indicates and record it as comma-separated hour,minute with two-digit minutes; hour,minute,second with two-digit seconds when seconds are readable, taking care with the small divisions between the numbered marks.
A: 9,26,36
